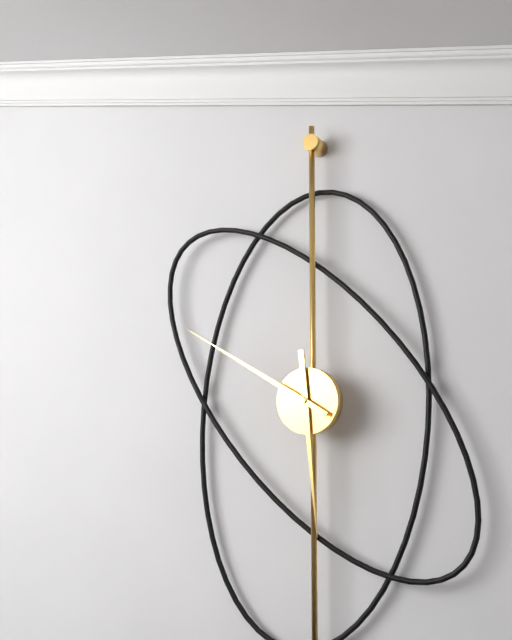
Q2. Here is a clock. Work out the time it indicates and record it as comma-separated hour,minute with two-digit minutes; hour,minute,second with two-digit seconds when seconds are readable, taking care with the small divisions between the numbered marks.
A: 5,50
